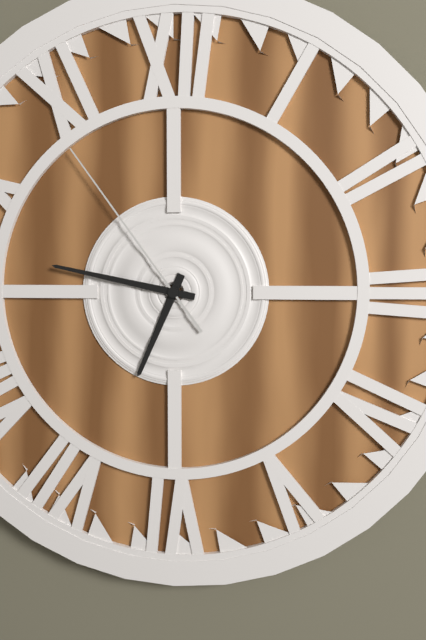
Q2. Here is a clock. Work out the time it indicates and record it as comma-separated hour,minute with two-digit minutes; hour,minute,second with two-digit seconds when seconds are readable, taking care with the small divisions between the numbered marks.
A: 6,47,54
